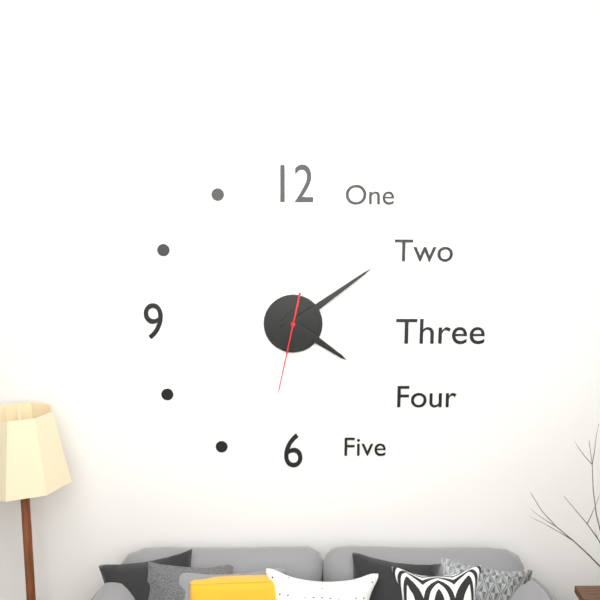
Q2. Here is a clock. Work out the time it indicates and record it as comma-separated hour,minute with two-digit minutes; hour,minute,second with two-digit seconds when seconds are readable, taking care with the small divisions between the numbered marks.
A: 4,09,32
